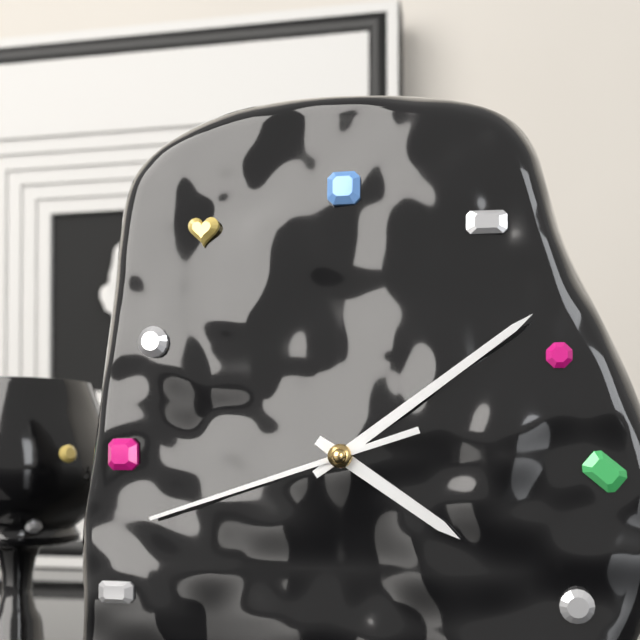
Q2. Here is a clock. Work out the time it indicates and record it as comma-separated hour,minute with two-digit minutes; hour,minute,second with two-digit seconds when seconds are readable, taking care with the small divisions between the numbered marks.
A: 4,09,42
